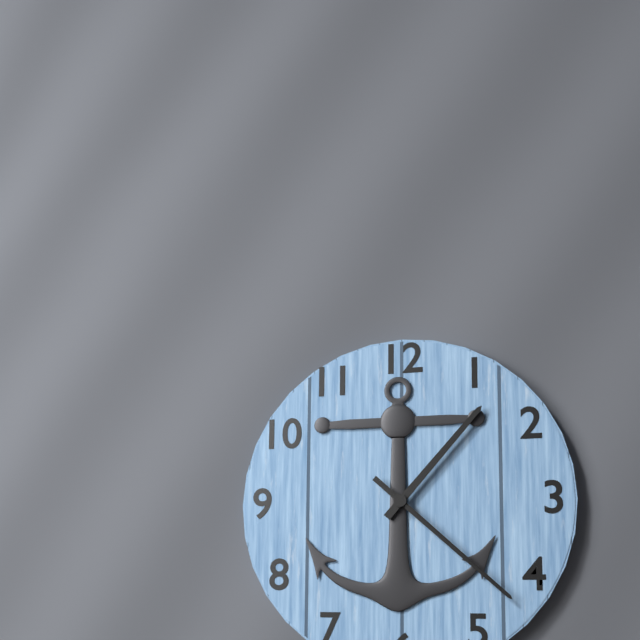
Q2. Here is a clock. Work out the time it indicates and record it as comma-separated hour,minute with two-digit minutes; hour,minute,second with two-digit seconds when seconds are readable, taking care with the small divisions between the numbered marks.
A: 1,22,22
